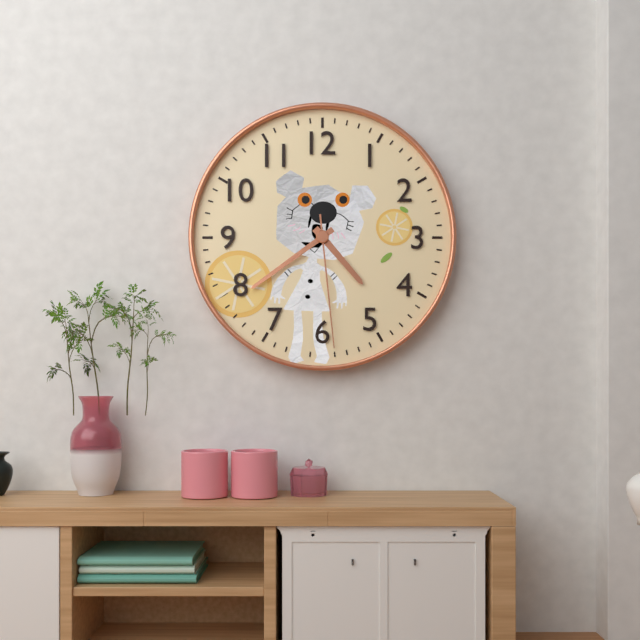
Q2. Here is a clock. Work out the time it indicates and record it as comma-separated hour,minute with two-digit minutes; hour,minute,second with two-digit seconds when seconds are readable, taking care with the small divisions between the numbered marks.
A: 4,39,29
